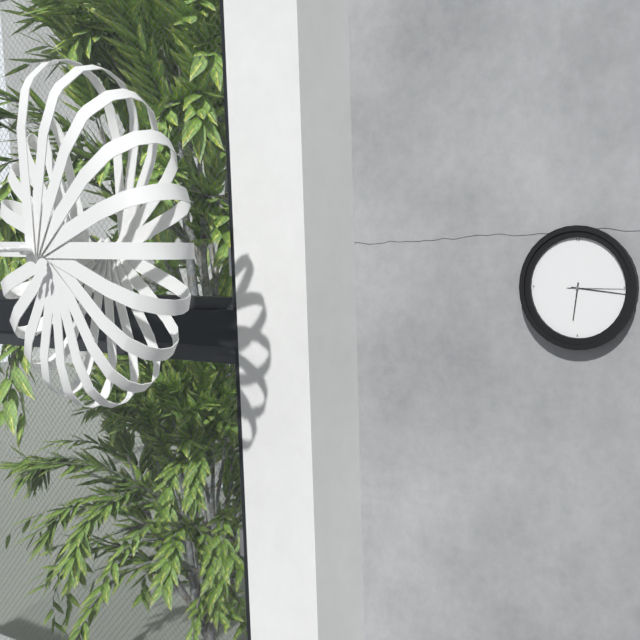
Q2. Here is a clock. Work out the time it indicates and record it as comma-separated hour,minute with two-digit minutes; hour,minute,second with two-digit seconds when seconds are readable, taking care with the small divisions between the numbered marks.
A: 6,16,15
